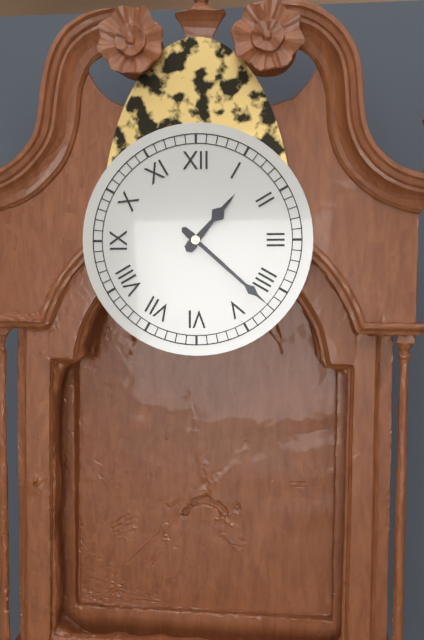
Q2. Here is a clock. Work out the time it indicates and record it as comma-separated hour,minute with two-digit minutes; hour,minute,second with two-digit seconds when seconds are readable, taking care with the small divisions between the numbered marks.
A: 1,22
